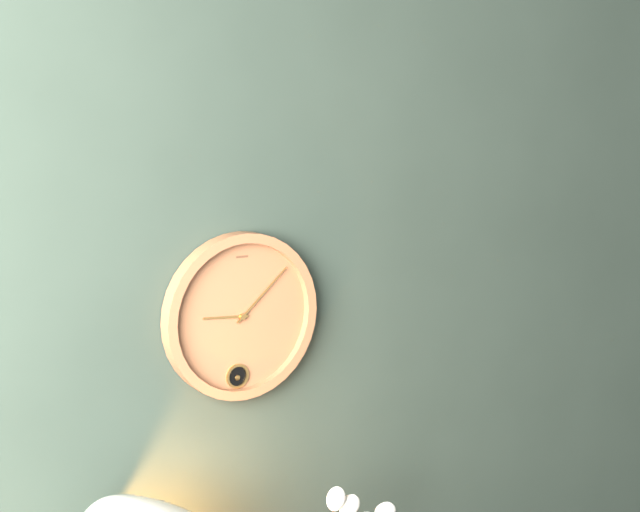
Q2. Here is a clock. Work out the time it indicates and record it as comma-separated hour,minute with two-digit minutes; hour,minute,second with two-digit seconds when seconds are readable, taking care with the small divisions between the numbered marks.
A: 9,08
